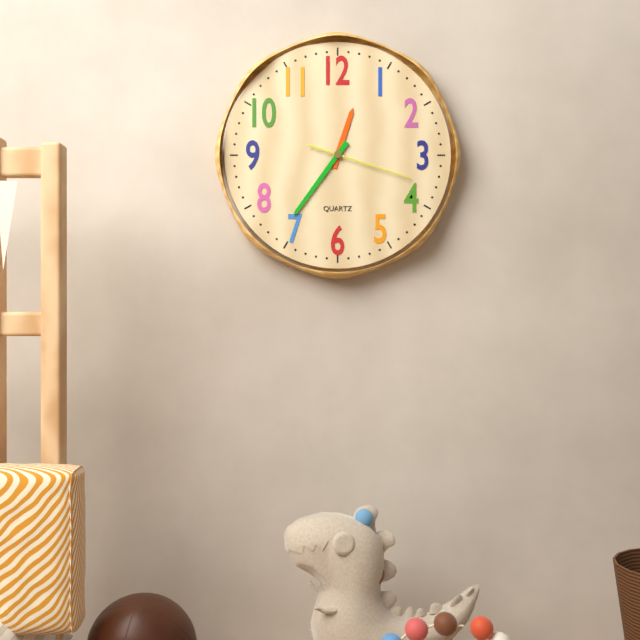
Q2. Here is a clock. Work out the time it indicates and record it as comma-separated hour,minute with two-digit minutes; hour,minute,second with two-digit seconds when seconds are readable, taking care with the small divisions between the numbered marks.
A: 12,36,18
